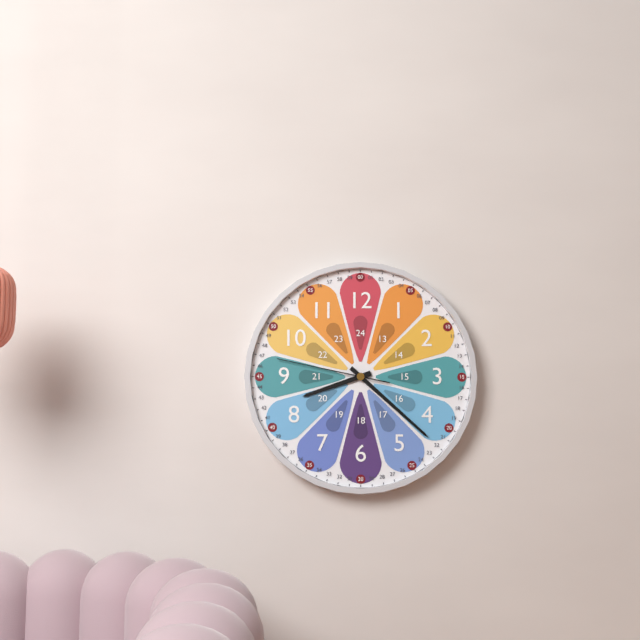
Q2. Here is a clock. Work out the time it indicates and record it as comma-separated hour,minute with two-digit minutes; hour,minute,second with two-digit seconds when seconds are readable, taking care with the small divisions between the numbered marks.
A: 8,22,47
